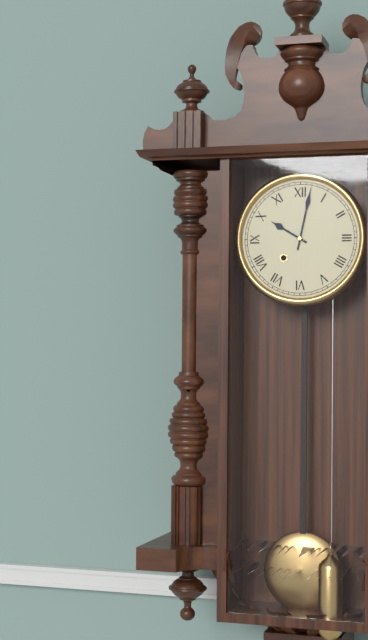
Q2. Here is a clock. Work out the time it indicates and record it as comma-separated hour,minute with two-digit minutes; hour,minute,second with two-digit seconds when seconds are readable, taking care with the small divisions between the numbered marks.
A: 10,02
